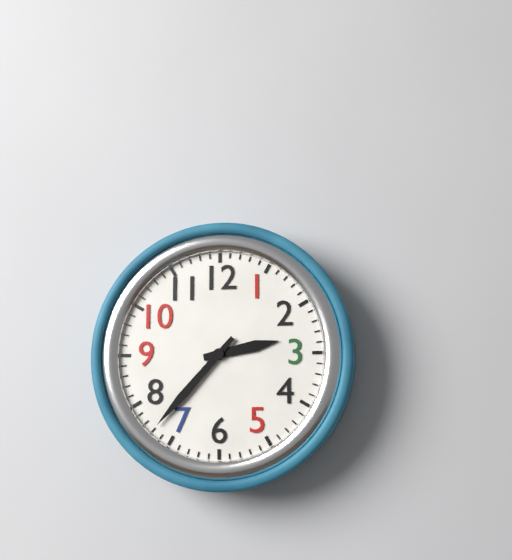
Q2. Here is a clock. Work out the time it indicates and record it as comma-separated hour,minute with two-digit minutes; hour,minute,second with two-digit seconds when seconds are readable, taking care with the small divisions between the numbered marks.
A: 2,37
